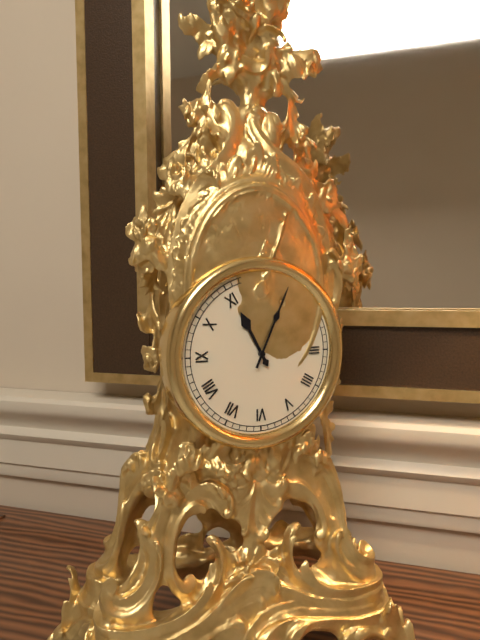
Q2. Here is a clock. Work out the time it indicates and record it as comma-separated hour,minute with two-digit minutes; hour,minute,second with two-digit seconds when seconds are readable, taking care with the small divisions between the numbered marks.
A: 11,04
